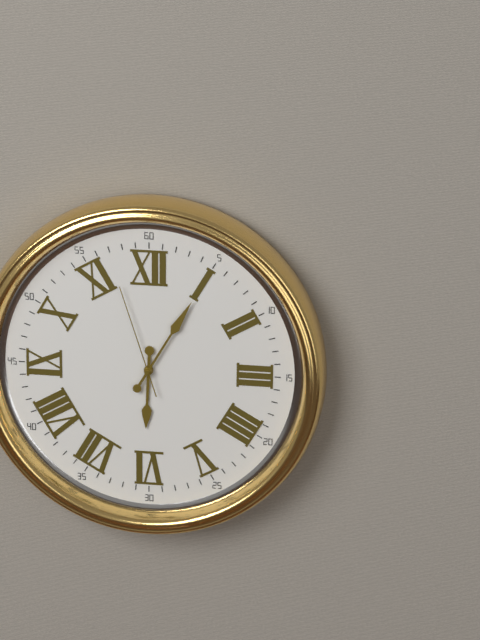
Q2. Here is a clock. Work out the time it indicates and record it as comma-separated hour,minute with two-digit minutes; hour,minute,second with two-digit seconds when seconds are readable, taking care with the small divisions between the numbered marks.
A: 6,05,57
